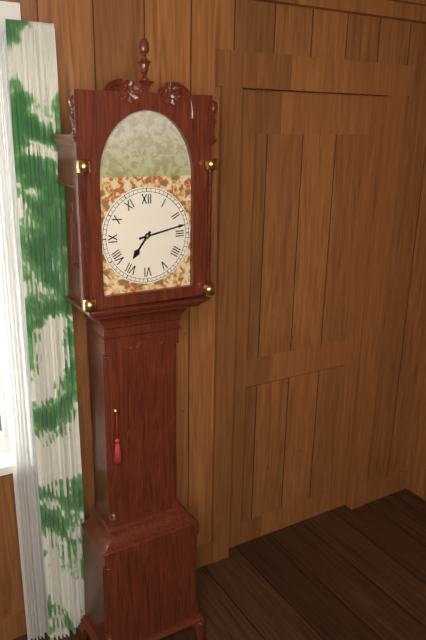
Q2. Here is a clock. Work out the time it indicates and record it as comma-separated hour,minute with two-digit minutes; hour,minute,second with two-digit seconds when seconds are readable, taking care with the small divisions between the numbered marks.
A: 7,13
